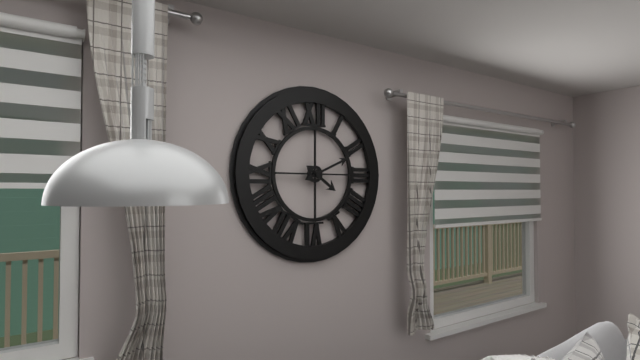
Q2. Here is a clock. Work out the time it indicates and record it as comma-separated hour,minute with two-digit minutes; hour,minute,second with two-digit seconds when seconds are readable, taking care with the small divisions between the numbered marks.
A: 4,11
